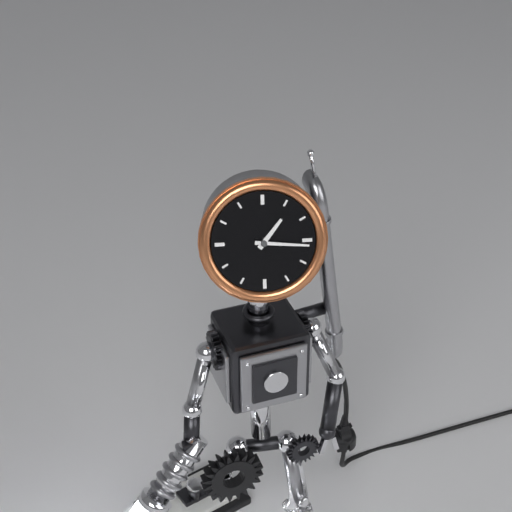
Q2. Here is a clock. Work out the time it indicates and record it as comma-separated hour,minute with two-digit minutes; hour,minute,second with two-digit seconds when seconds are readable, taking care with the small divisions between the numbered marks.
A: 1,16
